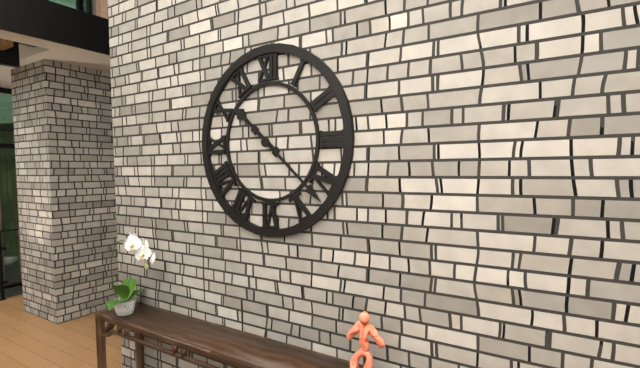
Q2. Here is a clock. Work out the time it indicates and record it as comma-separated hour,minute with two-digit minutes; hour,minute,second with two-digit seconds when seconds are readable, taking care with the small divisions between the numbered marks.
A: 10,22
